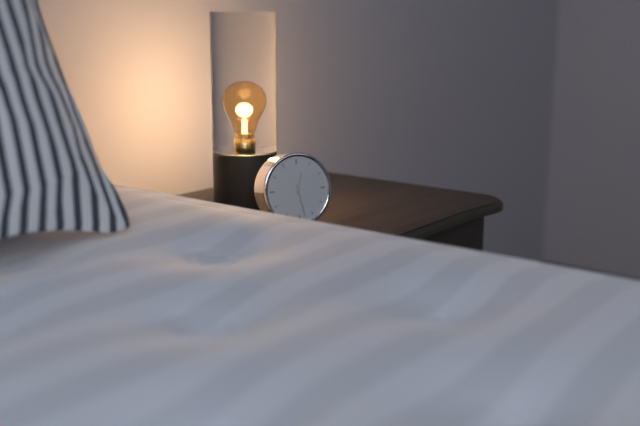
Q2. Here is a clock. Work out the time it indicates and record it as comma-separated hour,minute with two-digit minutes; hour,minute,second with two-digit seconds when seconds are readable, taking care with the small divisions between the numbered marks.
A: 12,28
